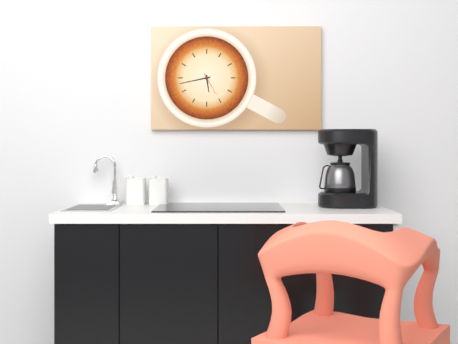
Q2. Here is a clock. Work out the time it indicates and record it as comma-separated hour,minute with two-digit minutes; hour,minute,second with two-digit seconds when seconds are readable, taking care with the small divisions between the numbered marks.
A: 5,43
